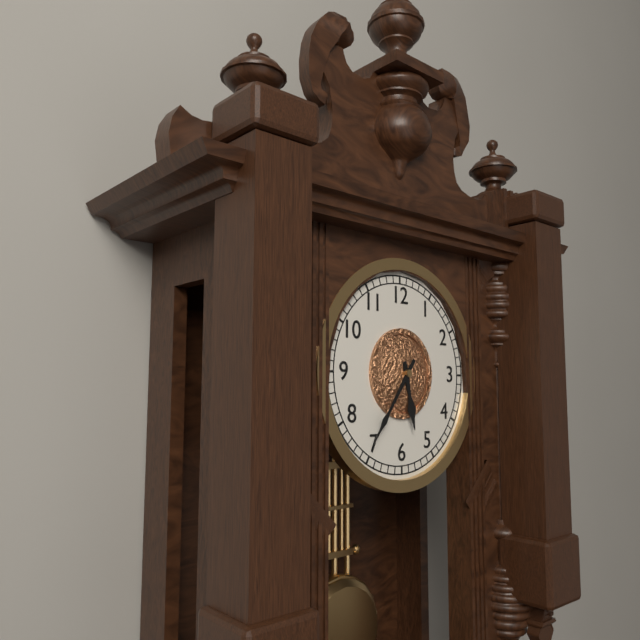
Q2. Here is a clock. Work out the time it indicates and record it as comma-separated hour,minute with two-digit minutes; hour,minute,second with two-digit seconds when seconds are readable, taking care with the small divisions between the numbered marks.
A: 5,36
